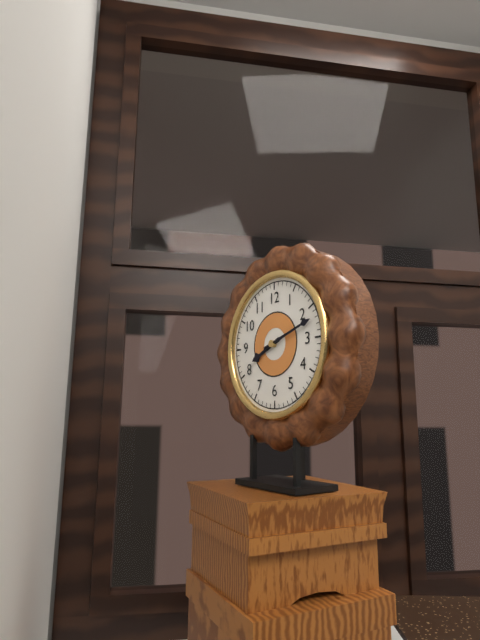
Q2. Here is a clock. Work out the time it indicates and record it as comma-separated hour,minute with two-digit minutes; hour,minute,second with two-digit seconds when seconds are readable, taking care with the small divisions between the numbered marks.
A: 8,12
